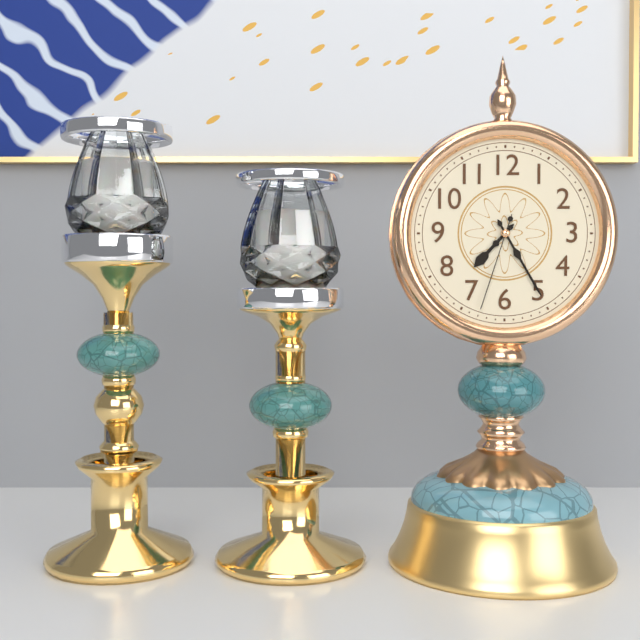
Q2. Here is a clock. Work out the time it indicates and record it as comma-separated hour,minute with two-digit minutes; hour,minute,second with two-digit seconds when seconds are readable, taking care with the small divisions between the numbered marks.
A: 7,25,33
